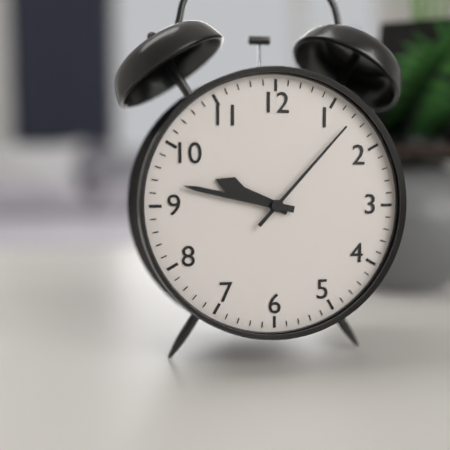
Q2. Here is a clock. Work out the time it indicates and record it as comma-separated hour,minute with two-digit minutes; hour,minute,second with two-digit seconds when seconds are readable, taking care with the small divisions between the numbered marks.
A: 9,47,07
